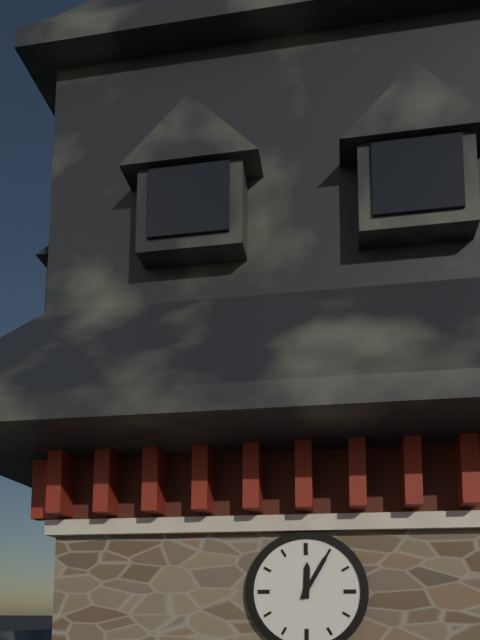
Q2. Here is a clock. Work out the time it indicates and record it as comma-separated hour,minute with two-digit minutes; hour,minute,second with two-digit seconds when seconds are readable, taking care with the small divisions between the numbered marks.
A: 12,05
